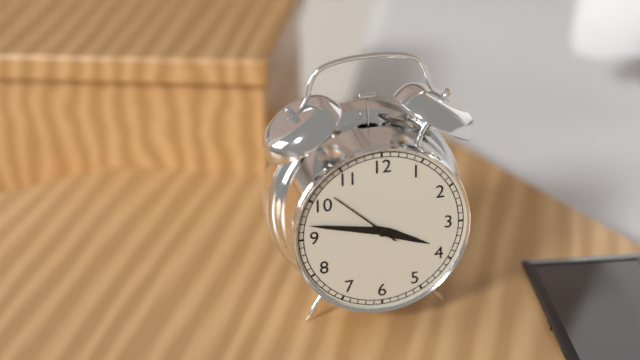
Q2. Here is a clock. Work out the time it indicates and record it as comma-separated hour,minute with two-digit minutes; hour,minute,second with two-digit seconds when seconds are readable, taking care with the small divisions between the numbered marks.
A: 3,47,52
